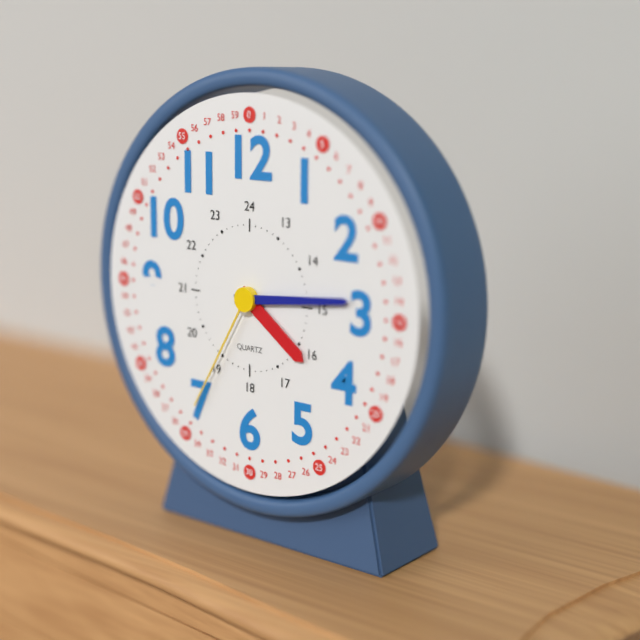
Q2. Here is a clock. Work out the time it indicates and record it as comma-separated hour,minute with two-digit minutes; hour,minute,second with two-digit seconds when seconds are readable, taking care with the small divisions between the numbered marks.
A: 4,14,35
